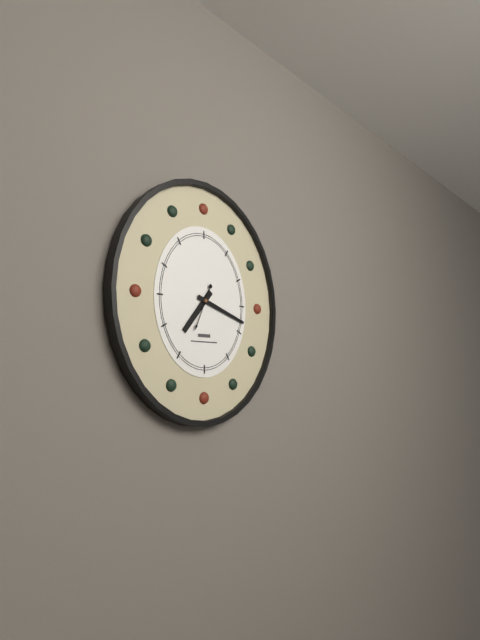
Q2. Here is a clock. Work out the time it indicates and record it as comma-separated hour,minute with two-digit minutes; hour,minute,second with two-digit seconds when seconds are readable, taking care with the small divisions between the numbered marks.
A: 7,18
